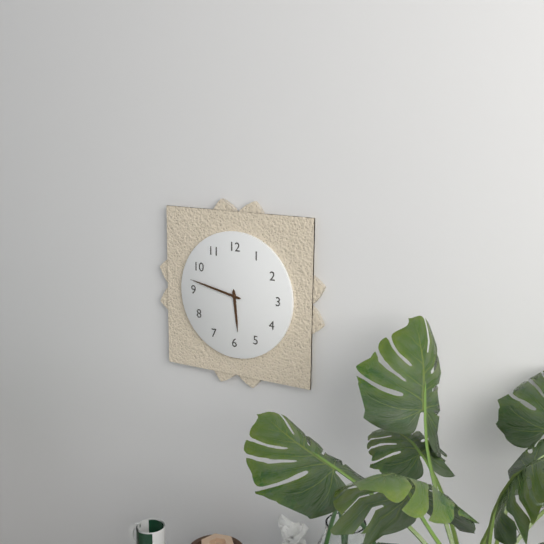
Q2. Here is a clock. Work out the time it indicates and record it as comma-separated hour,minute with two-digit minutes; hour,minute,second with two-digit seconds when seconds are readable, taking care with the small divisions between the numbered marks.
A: 5,47
